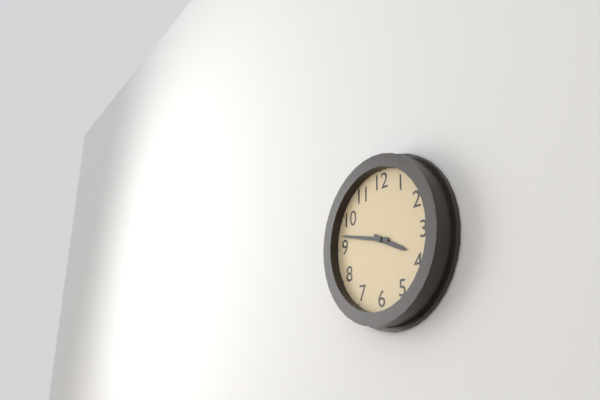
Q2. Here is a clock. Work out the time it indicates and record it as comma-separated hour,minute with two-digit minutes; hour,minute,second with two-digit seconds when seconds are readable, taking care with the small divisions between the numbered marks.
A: 3,47
